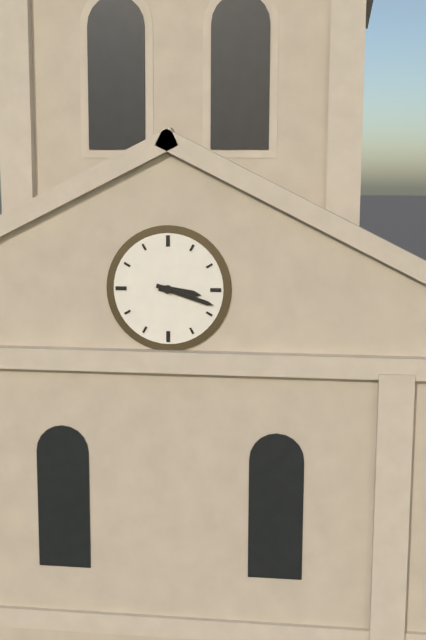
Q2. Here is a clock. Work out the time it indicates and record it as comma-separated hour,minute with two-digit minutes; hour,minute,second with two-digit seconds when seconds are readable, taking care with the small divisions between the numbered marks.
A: 3,18
